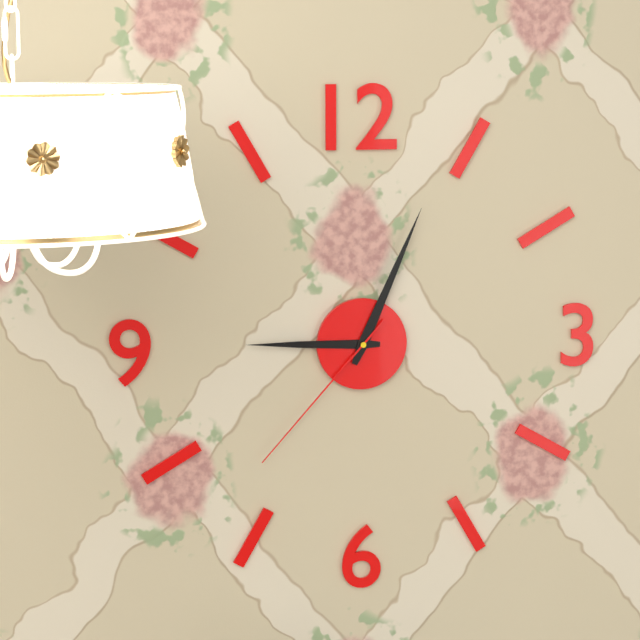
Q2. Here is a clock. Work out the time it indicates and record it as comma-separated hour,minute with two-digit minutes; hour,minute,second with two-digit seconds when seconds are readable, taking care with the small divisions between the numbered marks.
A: 9,04,37
